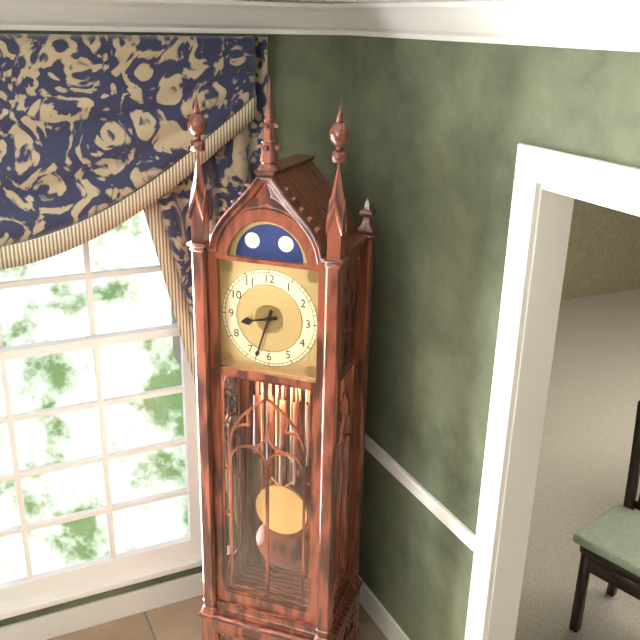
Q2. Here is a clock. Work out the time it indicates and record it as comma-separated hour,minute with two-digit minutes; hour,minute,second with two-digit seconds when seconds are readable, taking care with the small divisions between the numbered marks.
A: 8,33
